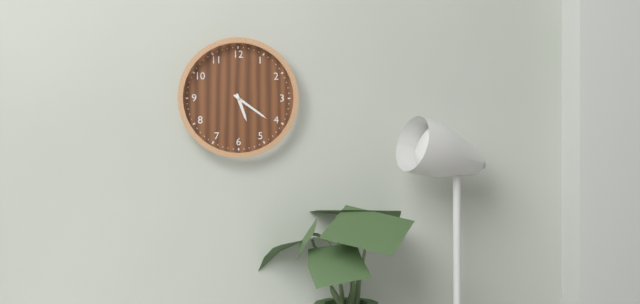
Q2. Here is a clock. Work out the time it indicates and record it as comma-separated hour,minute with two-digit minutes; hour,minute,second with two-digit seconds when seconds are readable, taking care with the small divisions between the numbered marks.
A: 5,21
